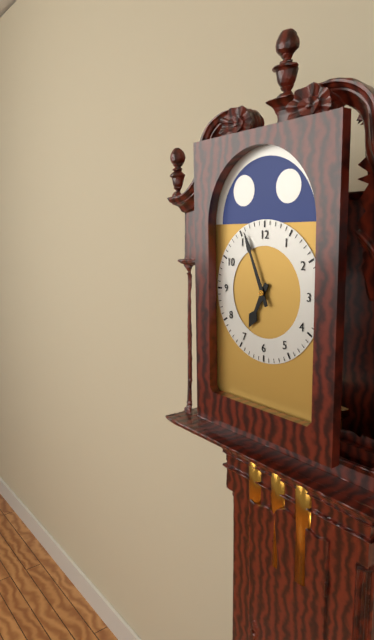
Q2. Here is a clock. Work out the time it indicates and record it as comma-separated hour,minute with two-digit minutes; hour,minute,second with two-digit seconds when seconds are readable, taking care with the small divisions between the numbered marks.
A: 6,56
